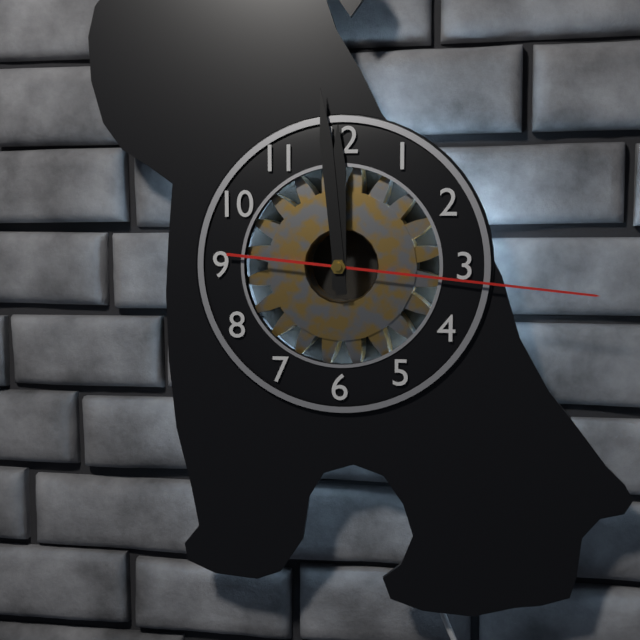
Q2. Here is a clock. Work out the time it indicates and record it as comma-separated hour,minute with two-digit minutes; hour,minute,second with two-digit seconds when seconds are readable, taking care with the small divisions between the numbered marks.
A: 11,59,16
